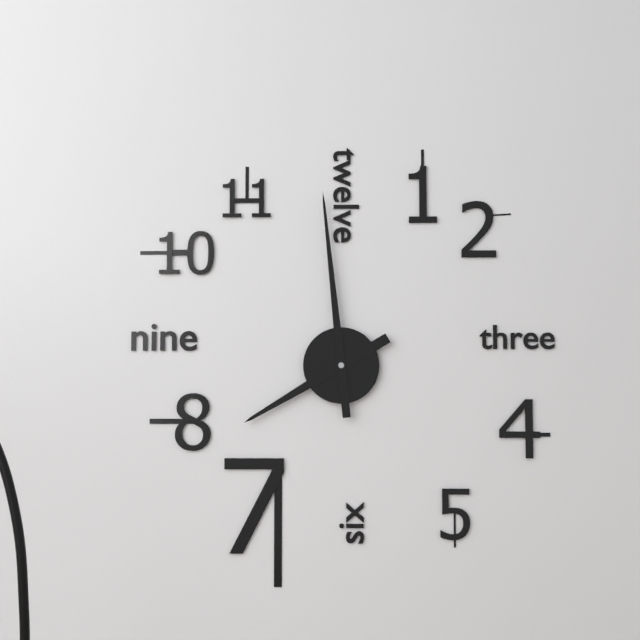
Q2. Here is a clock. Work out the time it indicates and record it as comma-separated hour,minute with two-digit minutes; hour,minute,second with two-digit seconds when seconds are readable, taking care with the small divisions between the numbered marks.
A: 7,59
